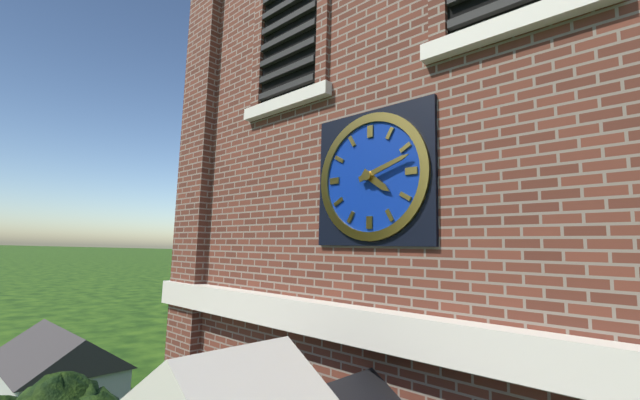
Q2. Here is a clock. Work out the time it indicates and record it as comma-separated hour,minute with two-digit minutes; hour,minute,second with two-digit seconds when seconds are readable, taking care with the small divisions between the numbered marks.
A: 4,12
